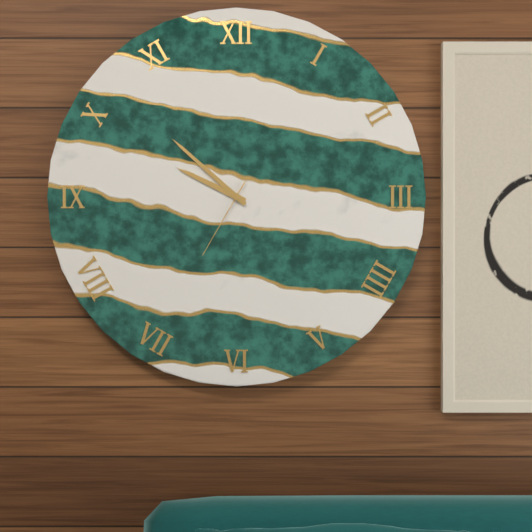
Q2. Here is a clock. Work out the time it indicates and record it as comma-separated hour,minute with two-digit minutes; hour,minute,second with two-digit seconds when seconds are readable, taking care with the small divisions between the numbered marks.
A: 9,52,35
